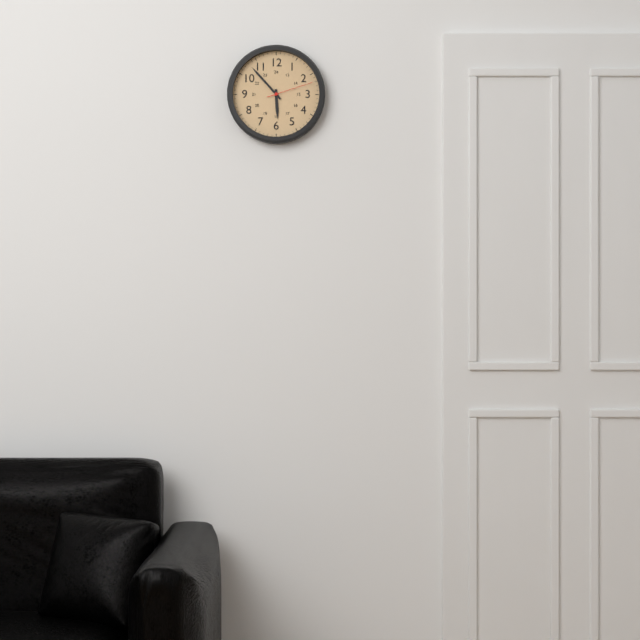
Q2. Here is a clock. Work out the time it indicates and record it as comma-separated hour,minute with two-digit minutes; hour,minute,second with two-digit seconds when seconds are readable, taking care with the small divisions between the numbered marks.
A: 5,53
